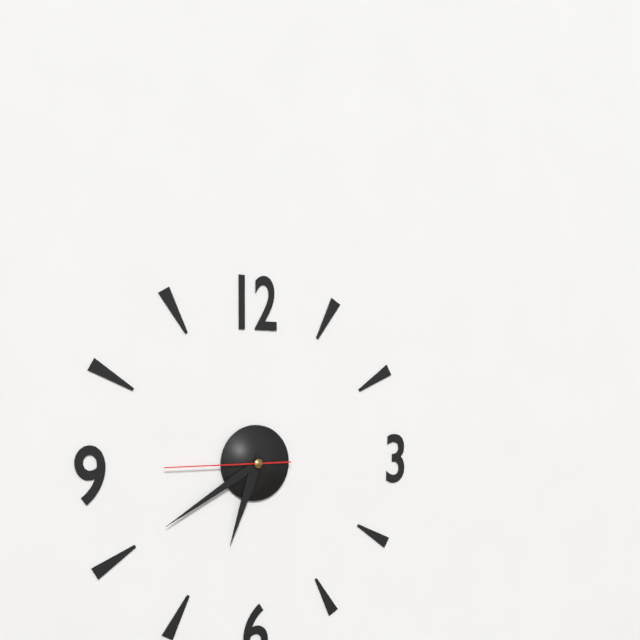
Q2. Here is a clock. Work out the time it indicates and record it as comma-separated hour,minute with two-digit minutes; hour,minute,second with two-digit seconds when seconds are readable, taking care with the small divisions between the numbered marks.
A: 6,40,45
